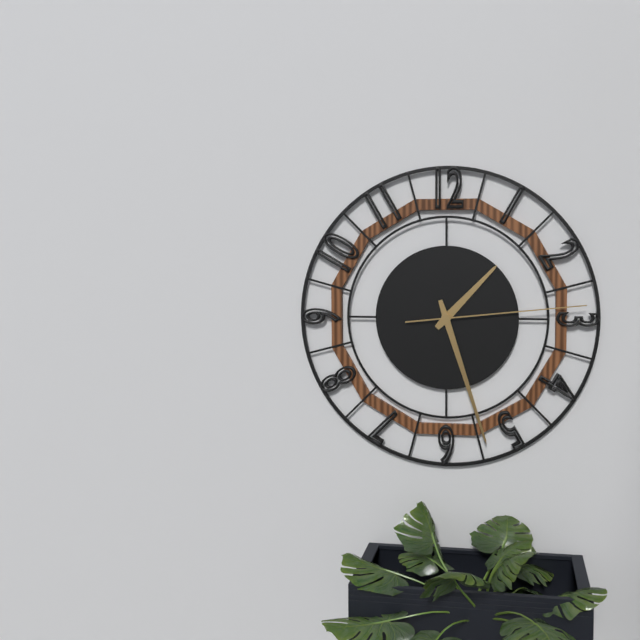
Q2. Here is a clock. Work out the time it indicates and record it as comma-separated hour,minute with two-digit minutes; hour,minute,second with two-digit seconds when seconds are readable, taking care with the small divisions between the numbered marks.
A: 1,27,14
